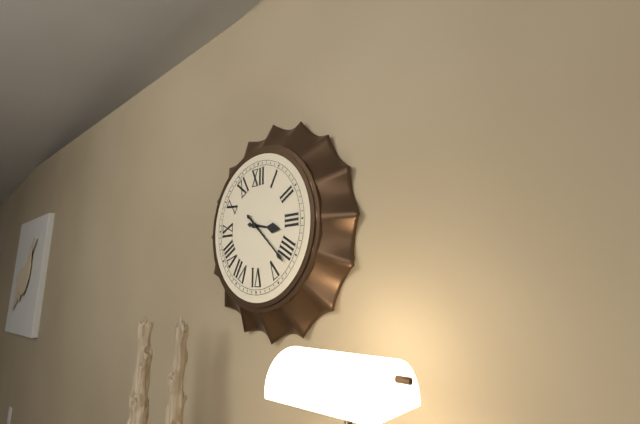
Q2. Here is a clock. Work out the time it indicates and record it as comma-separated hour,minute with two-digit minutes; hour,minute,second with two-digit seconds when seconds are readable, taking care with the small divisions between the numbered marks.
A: 3,22
